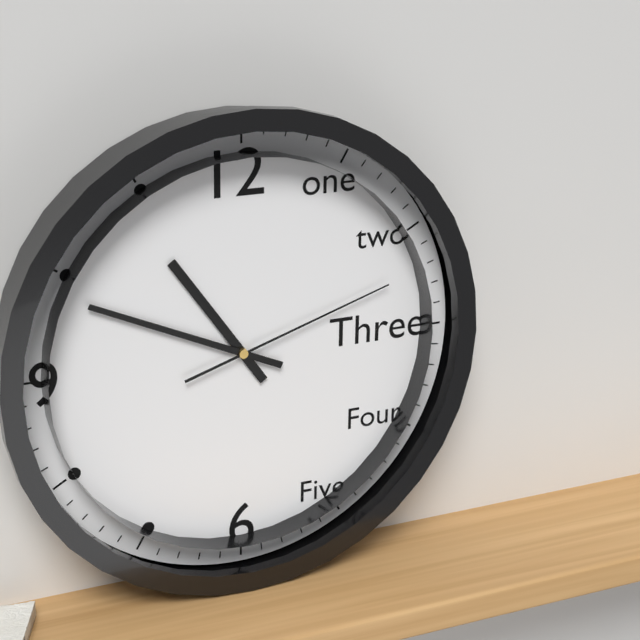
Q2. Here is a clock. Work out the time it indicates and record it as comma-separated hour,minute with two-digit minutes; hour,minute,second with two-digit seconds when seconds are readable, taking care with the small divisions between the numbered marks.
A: 10,49,12
